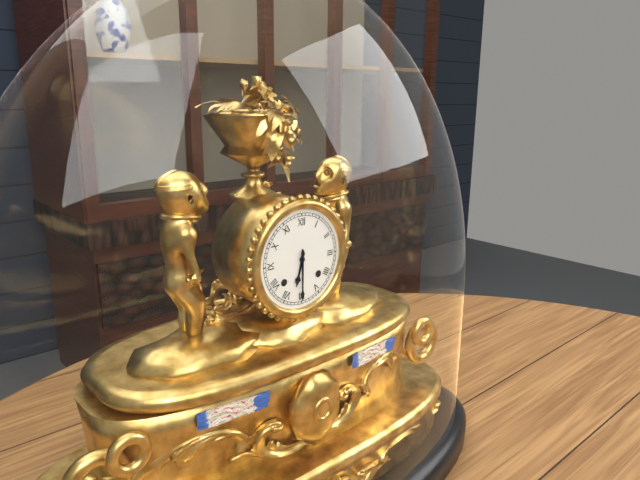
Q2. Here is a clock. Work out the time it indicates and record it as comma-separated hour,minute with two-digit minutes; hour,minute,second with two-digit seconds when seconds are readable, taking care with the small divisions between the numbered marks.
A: 6,30
